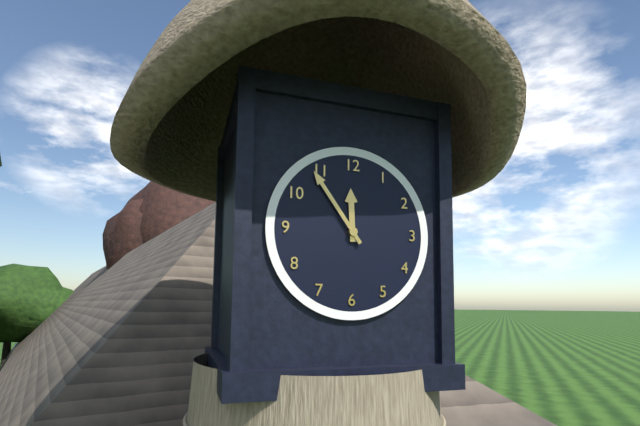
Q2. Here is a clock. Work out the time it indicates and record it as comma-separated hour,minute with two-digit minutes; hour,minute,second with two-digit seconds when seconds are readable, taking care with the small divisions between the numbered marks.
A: 11,54
